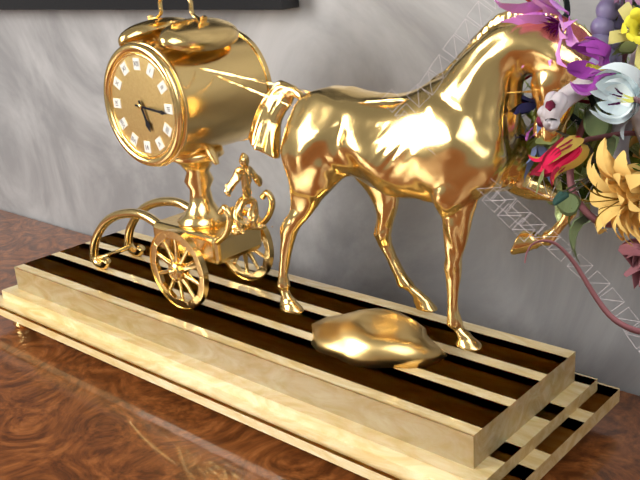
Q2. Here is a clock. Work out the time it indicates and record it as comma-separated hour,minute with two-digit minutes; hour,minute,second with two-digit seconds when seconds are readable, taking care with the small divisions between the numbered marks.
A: 5,16
